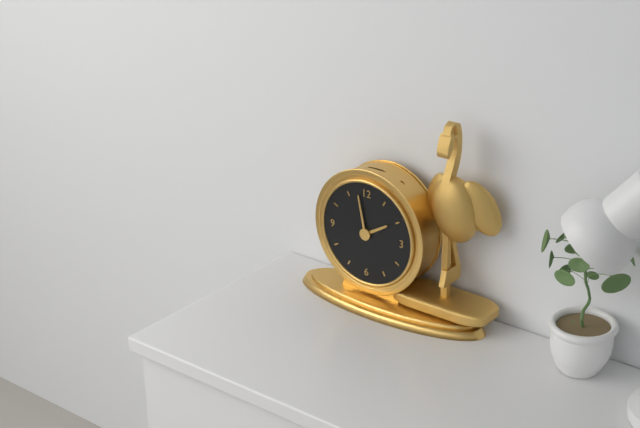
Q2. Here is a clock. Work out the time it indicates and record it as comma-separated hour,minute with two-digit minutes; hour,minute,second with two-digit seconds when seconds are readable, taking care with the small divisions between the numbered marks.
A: 1,58
